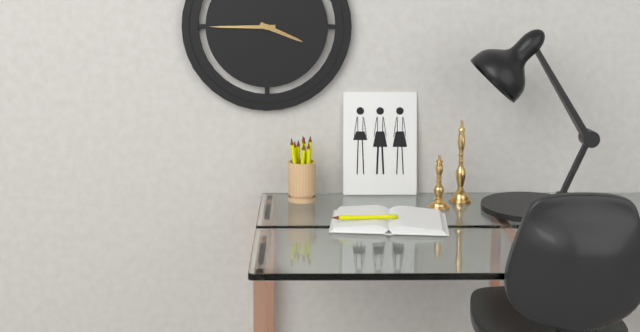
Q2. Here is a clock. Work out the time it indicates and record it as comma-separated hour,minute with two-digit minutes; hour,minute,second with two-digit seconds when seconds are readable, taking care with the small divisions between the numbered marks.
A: 3,45
